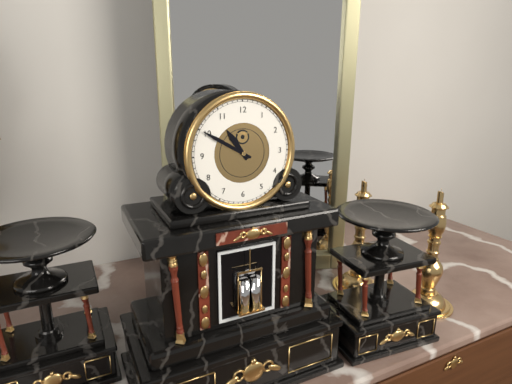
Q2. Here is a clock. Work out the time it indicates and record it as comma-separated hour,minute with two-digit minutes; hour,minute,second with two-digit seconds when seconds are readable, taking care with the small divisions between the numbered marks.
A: 10,50
